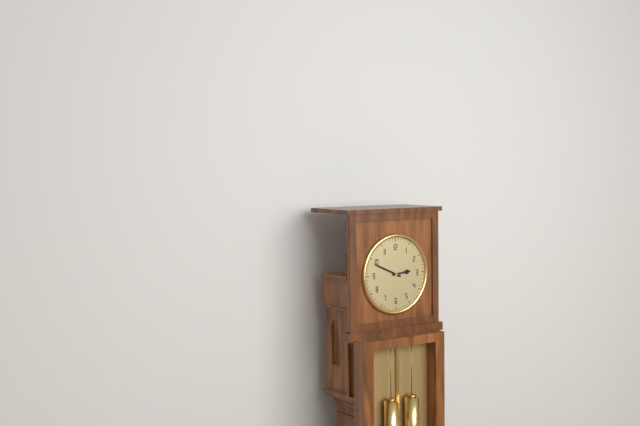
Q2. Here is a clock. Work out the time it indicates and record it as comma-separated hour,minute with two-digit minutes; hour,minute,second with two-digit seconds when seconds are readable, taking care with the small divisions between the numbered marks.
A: 2,49
